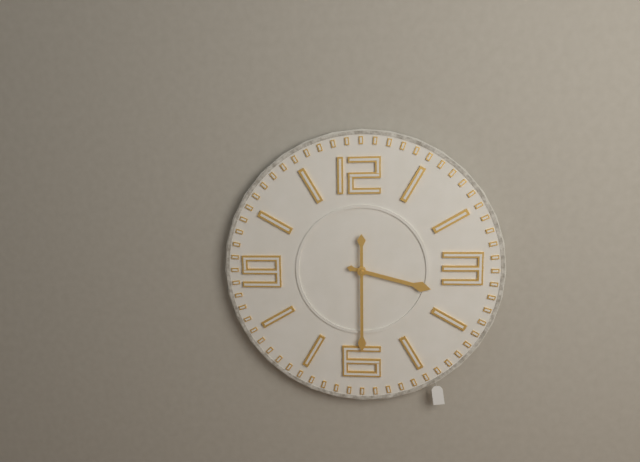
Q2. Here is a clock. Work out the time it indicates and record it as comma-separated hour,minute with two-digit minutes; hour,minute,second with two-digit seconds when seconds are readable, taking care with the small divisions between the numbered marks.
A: 3,30
